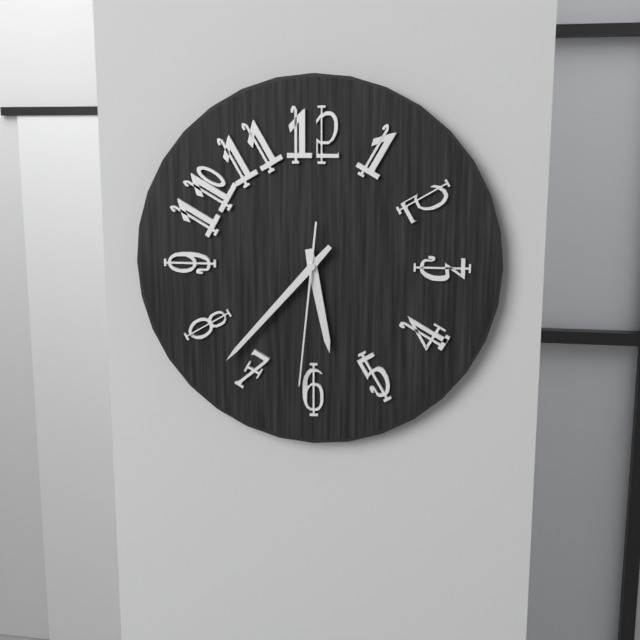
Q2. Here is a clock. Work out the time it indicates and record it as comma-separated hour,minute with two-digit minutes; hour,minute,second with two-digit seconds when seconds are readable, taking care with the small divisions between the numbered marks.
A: 5,37,31
